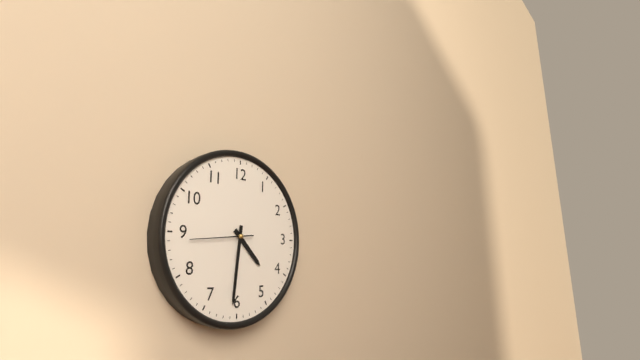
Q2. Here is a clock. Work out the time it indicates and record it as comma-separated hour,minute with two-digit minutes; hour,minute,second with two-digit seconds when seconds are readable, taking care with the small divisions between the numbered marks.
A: 4,31,44
